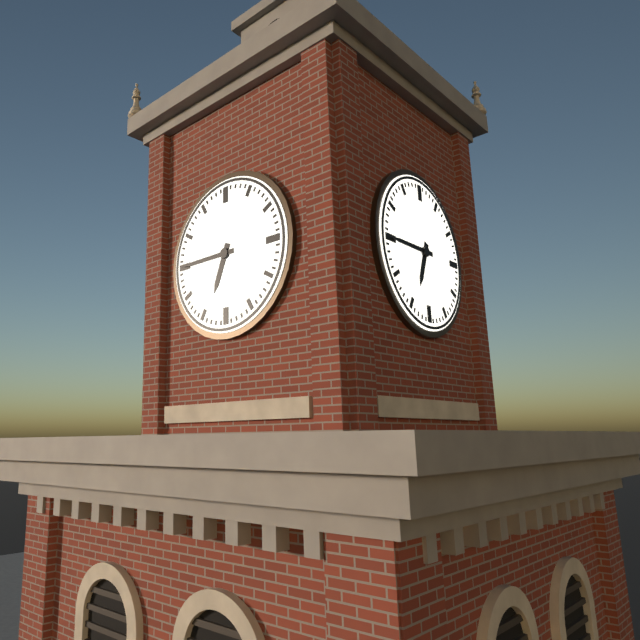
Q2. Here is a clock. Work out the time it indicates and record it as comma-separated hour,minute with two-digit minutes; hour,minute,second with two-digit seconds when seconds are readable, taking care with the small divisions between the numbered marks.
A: 6,45
